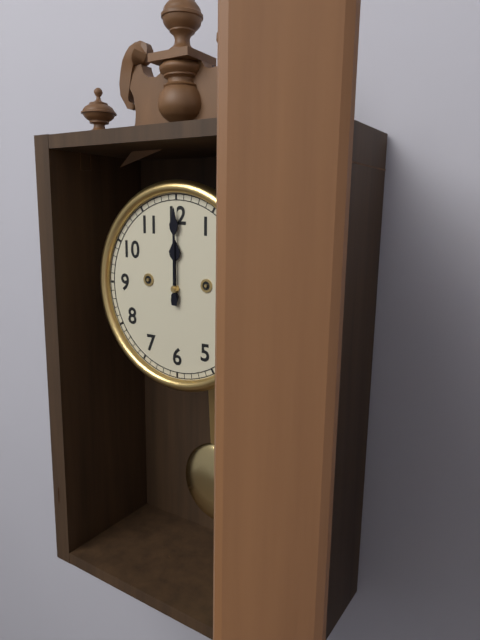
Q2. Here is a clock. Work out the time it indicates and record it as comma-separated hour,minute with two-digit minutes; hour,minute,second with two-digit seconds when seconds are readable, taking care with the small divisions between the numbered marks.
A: 12,00
